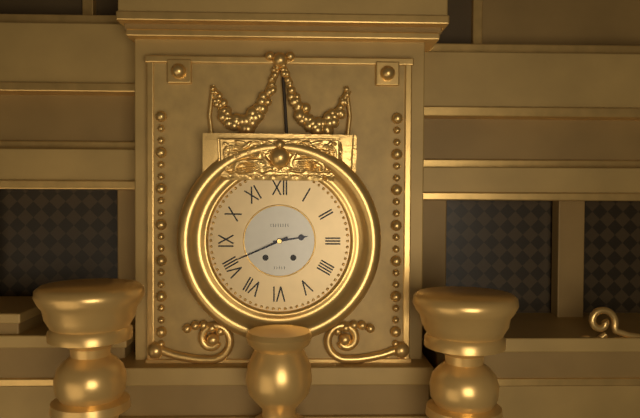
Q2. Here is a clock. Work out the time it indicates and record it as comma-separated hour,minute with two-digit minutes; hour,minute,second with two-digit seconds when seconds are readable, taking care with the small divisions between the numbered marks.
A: 2,41
